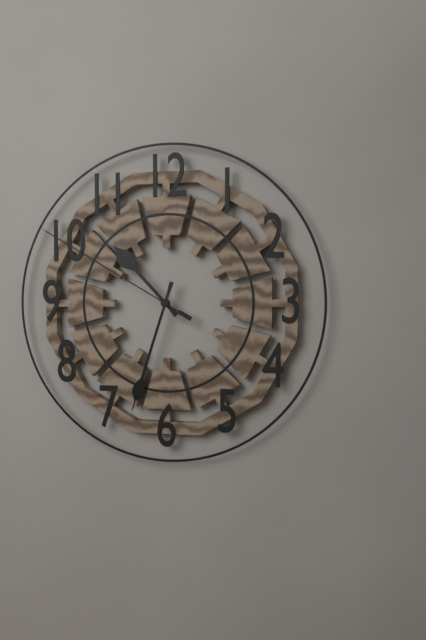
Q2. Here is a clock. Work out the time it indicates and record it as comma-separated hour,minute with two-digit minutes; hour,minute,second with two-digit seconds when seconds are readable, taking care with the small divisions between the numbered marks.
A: 10,33,50
